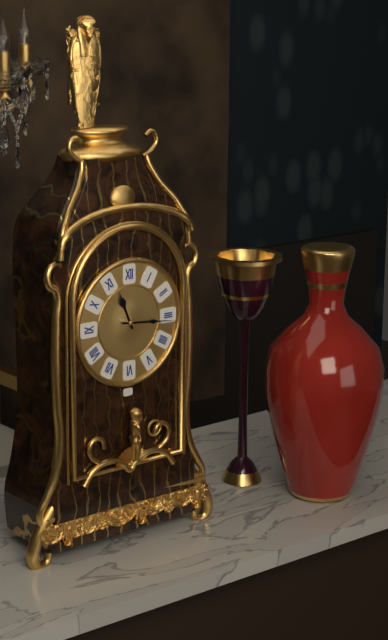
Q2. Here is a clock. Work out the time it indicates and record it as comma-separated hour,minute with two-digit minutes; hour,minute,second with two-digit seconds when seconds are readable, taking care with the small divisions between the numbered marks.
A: 11,16
